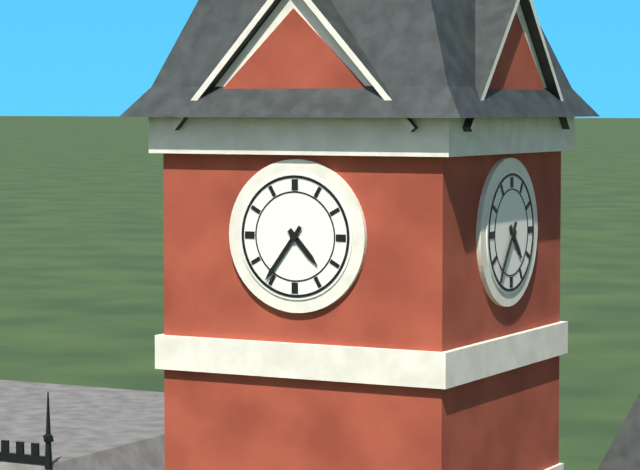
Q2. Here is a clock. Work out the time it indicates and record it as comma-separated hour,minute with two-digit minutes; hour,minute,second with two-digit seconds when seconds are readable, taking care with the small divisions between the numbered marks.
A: 4,36
